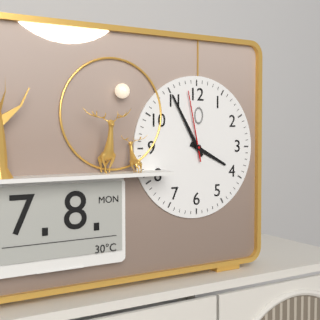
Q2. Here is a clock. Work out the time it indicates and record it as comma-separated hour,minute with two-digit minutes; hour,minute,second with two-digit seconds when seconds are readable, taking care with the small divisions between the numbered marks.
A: 3,55,58
